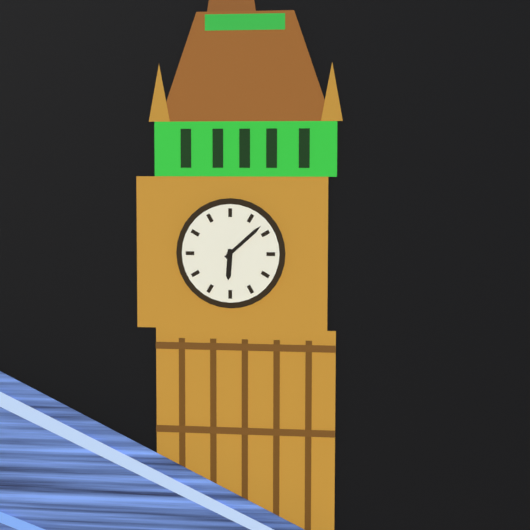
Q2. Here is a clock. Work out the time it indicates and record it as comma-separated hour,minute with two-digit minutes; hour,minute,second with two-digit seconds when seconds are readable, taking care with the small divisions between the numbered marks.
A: 6,08
